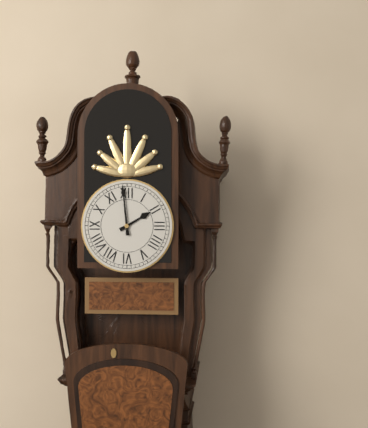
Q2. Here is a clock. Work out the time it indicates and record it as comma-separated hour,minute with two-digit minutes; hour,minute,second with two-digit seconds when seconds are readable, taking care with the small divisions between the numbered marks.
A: 1,59
